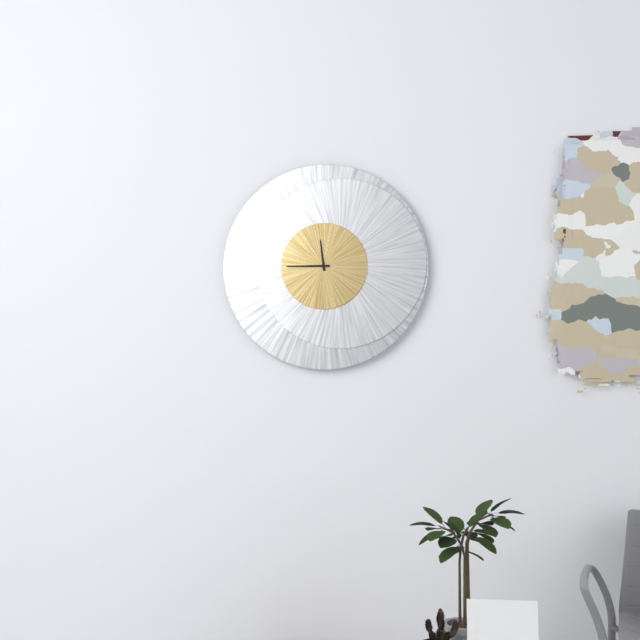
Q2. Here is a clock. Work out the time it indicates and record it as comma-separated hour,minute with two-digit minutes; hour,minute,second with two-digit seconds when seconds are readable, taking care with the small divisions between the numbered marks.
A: 11,45
